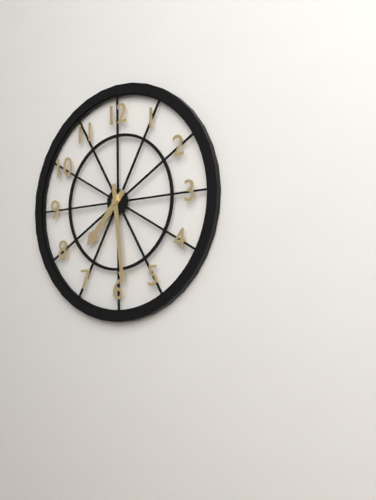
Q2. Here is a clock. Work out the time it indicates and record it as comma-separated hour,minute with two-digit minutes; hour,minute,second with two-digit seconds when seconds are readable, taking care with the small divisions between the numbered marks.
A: 7,29
